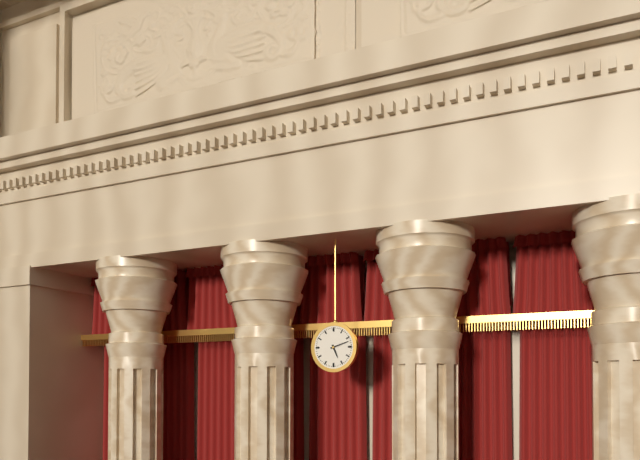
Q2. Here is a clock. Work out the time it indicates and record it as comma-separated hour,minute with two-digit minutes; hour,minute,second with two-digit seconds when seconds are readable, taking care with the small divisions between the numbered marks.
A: 5,12
